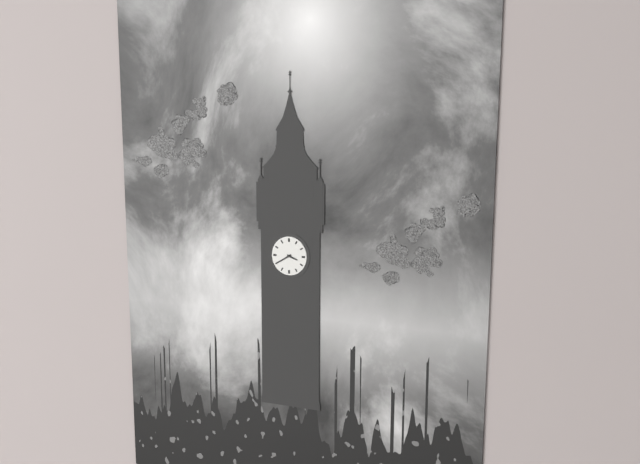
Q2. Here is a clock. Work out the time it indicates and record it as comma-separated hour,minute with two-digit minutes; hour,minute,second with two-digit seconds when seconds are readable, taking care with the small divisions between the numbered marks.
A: 3,40
